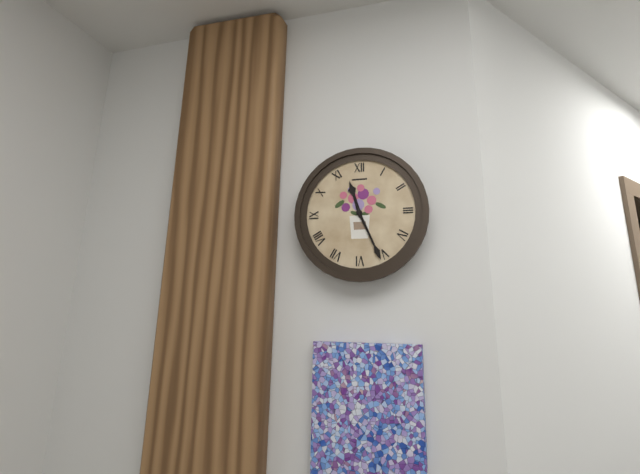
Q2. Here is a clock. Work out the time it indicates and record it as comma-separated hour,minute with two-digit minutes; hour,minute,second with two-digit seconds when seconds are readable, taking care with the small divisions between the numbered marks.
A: 11,26
